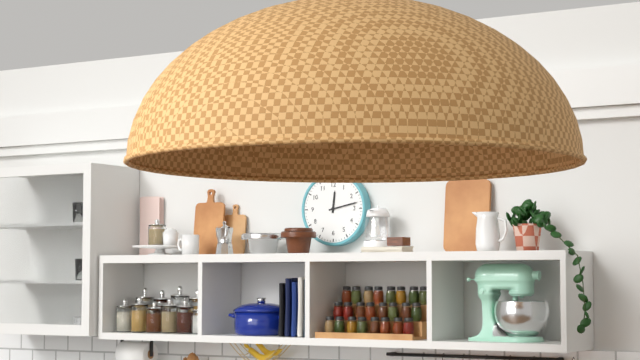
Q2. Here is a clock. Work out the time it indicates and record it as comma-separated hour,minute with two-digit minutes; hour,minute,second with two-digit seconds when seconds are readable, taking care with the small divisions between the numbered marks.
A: 12,13
